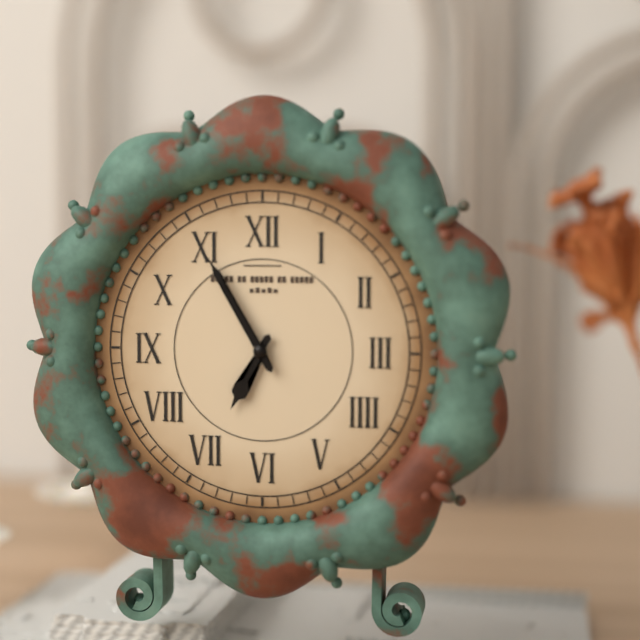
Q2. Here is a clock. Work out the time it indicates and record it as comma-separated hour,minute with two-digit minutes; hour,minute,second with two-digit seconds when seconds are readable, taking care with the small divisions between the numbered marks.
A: 6,55
